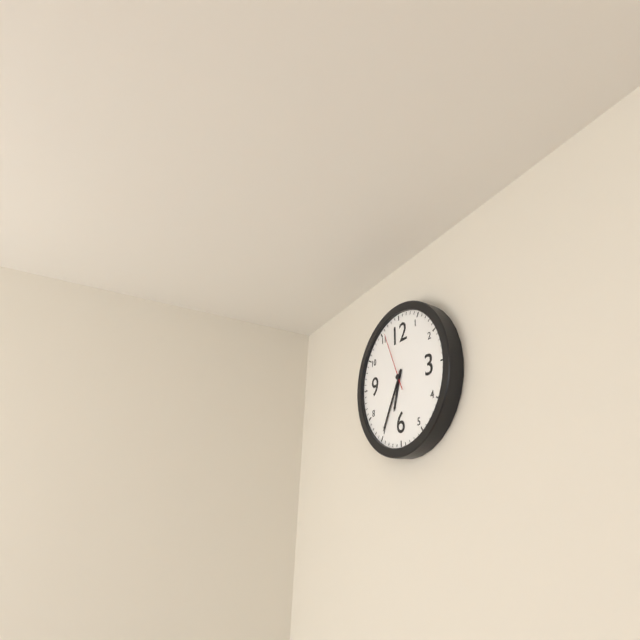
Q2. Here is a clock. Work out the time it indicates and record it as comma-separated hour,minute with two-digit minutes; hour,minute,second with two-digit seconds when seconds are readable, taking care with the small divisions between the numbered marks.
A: 6,35,56
